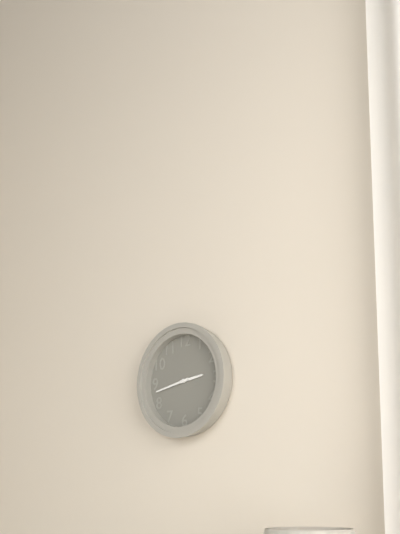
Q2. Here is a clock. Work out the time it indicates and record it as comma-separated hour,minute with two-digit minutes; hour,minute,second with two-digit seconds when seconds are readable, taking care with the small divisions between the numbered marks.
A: 2,43
